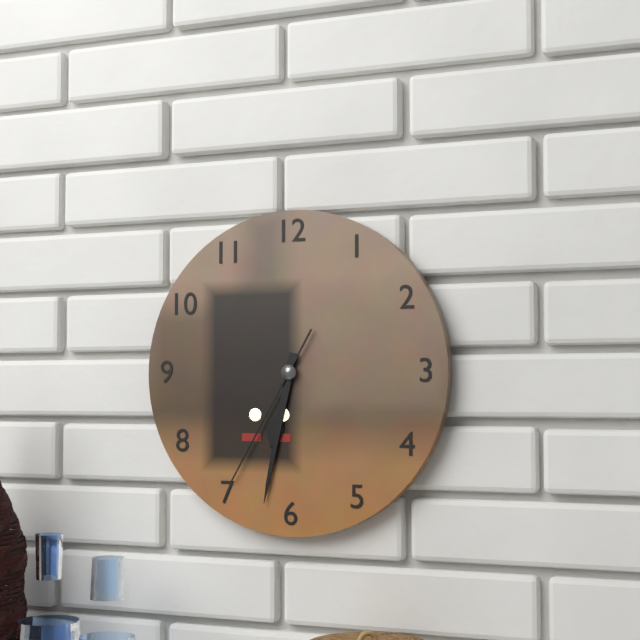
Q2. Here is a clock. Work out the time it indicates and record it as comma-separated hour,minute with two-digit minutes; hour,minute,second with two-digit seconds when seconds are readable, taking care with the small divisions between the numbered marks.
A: 6,32,35
